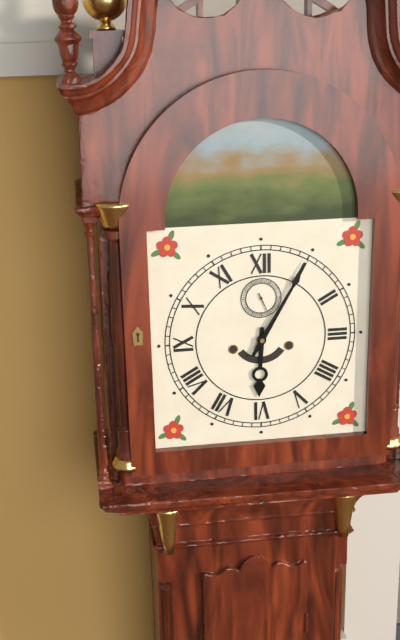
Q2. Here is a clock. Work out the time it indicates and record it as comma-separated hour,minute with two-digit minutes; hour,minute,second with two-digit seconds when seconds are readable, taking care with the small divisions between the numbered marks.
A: 6,05
